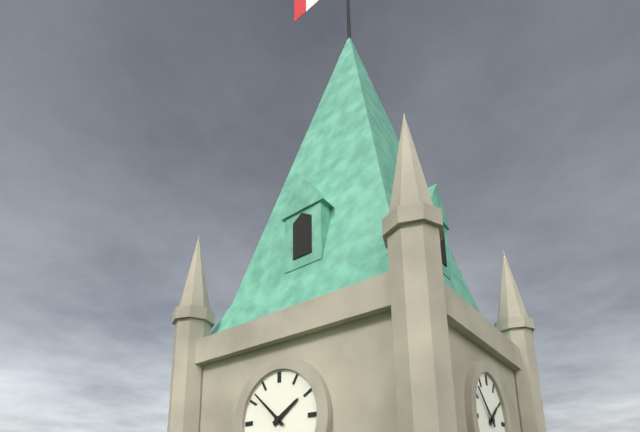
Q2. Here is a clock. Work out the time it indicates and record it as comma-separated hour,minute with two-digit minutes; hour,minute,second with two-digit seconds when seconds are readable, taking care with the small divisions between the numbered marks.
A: 1,52
